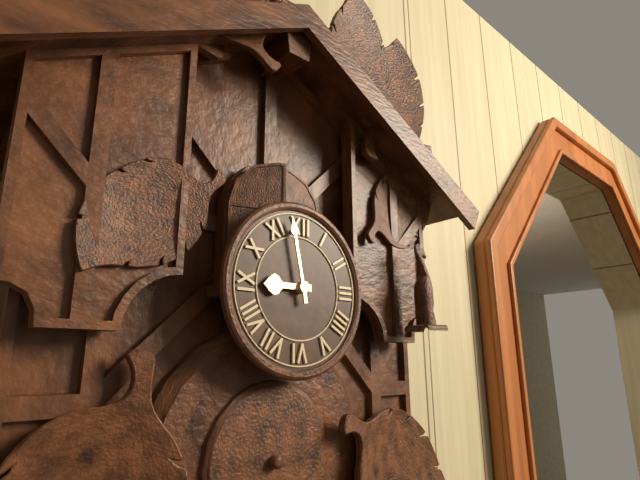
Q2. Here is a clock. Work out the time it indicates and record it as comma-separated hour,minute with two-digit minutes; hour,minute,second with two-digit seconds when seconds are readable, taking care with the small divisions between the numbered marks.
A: 8,58
